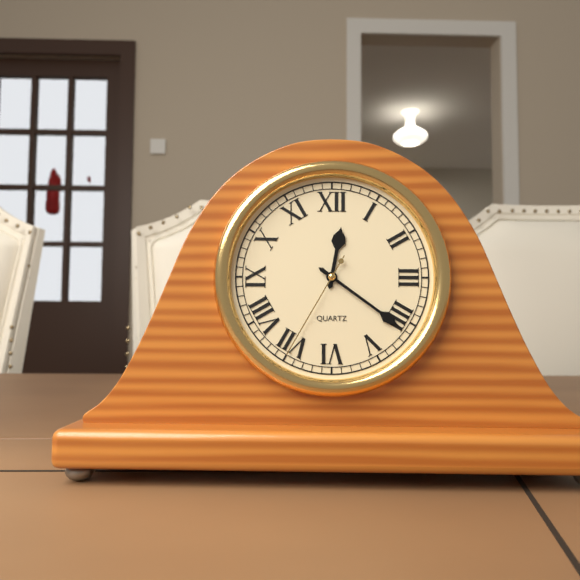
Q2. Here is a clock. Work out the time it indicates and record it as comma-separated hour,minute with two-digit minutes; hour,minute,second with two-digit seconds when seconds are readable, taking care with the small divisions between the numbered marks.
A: 12,21,35
